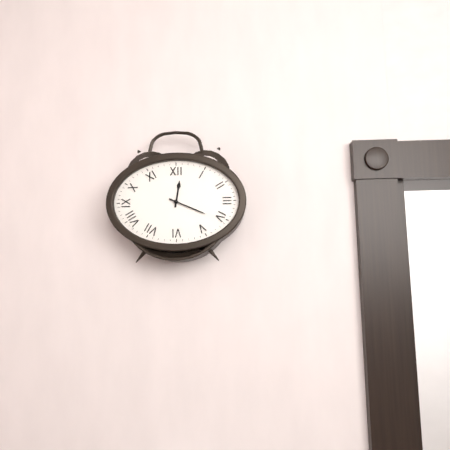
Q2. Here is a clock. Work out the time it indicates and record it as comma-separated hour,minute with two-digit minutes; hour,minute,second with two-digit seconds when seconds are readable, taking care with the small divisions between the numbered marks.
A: 12,19
